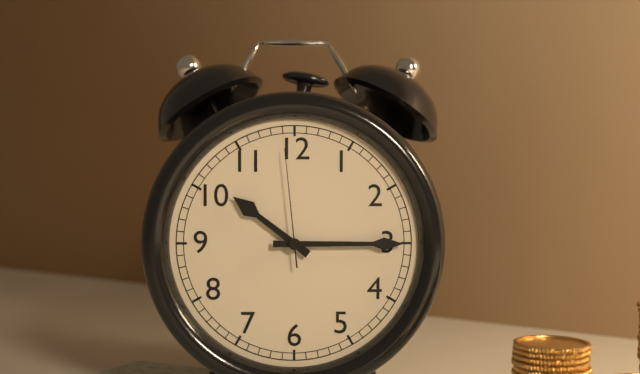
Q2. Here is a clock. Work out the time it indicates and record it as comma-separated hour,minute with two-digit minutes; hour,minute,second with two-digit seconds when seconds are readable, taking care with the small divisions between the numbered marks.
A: 10,15,59
